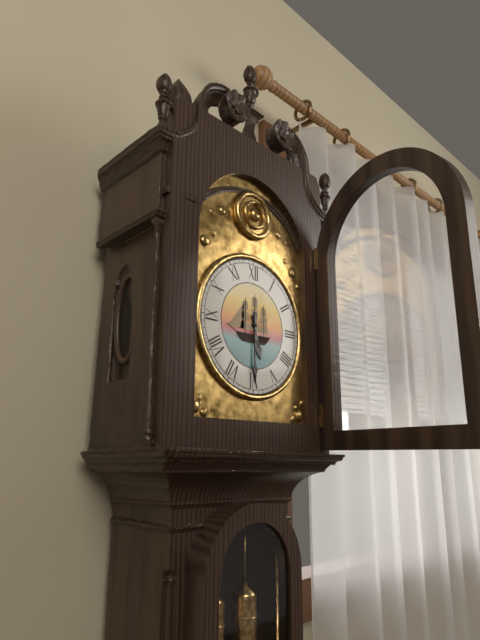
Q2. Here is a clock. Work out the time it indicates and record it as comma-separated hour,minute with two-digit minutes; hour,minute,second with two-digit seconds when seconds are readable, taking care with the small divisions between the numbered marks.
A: 5,30
